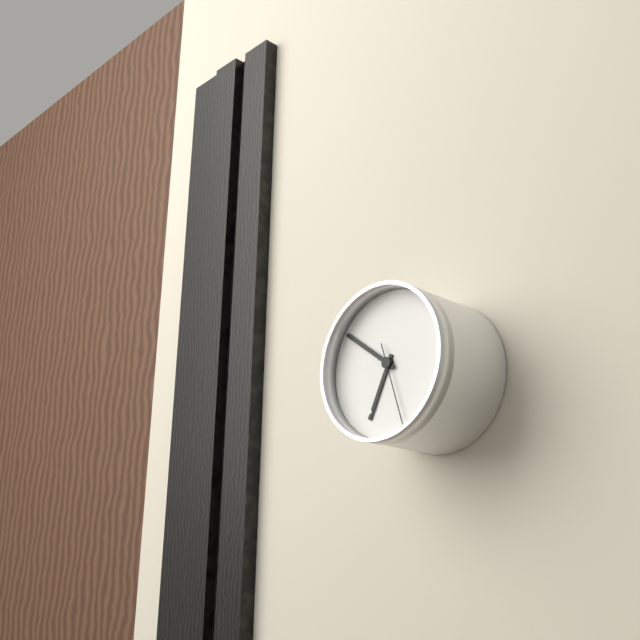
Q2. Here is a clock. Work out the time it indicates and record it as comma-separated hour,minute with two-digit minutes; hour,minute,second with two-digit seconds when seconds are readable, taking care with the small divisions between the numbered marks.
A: 6,51,27
